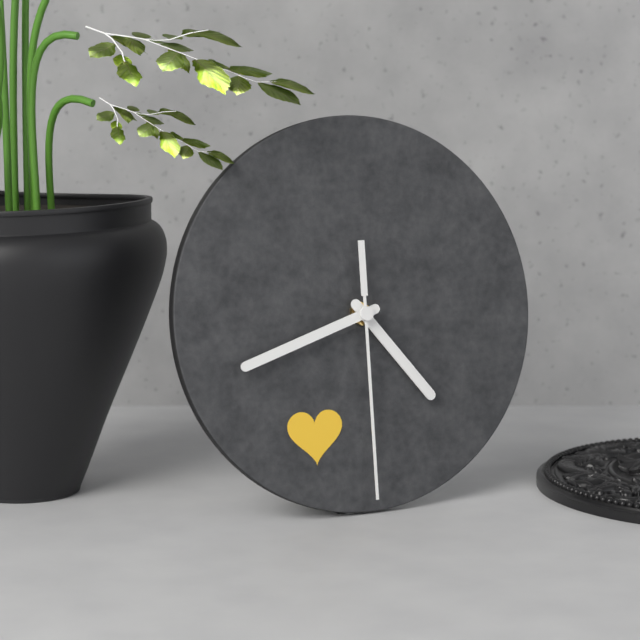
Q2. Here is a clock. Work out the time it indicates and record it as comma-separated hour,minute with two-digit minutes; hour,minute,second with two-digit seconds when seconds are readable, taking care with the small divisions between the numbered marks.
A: 4,42,30
